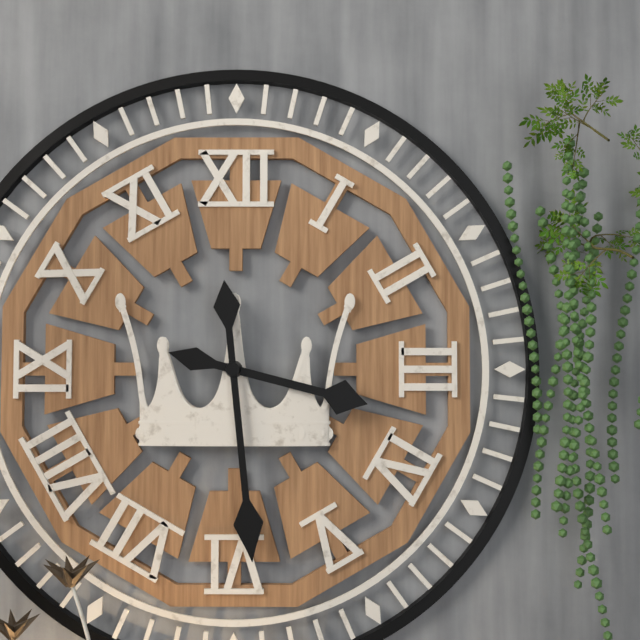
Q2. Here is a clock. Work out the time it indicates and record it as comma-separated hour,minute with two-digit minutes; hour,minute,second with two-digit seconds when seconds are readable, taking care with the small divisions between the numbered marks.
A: 3,29
